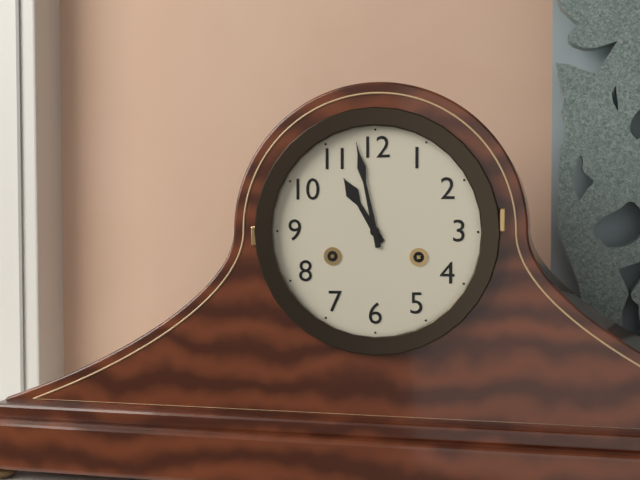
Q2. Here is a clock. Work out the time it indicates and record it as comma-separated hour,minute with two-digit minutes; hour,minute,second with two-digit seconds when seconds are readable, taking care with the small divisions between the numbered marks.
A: 10,58
